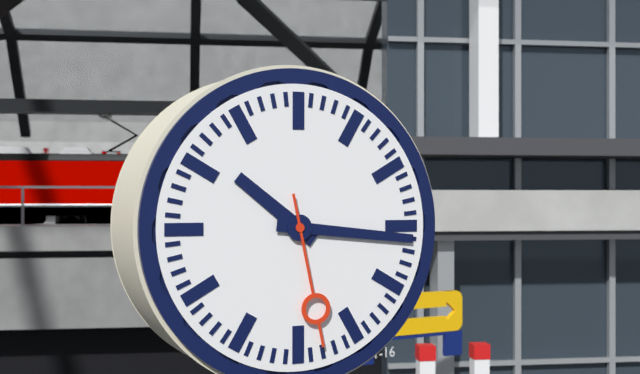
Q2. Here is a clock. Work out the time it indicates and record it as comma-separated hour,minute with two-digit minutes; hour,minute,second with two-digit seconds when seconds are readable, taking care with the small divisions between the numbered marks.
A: 10,16,28
